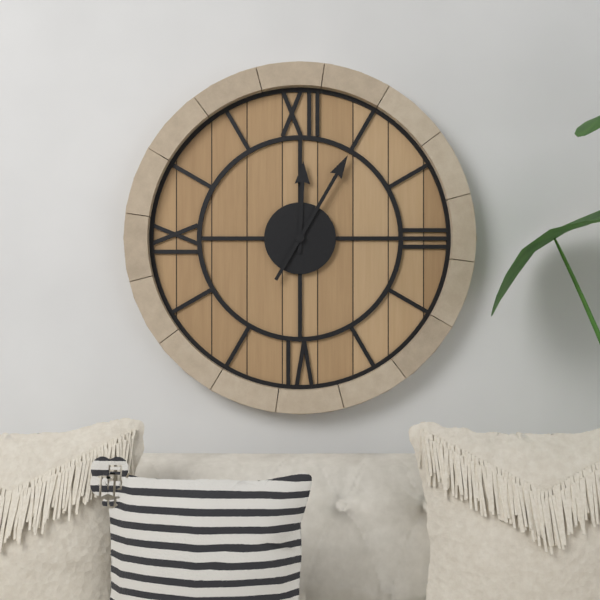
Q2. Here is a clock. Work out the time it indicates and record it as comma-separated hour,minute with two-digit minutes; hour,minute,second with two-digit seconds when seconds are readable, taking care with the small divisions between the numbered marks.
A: 12,05
